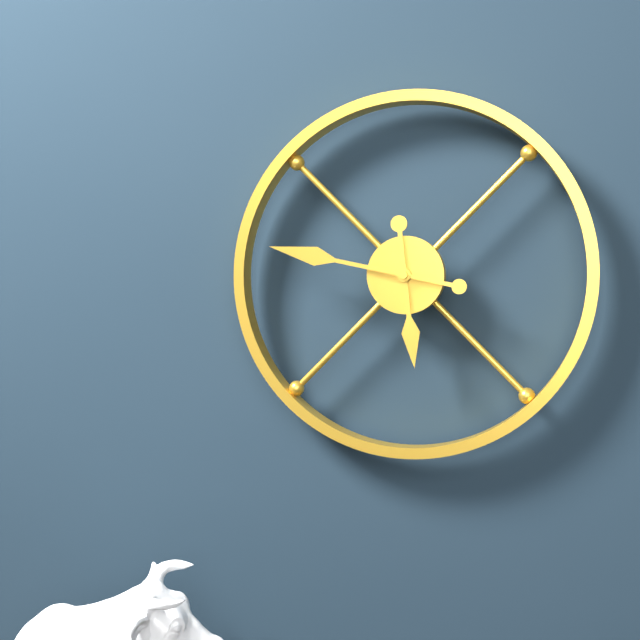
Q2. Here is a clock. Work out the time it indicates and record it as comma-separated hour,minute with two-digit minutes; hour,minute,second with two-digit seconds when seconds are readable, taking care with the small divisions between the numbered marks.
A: 5,47
